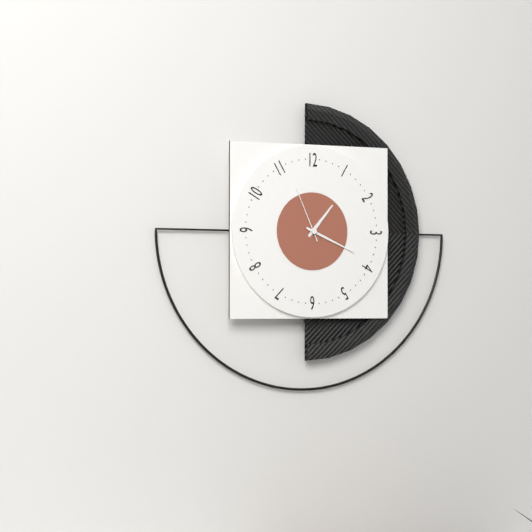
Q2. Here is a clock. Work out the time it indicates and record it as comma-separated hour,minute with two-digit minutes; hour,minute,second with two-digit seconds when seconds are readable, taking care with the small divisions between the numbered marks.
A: 1,19,56
